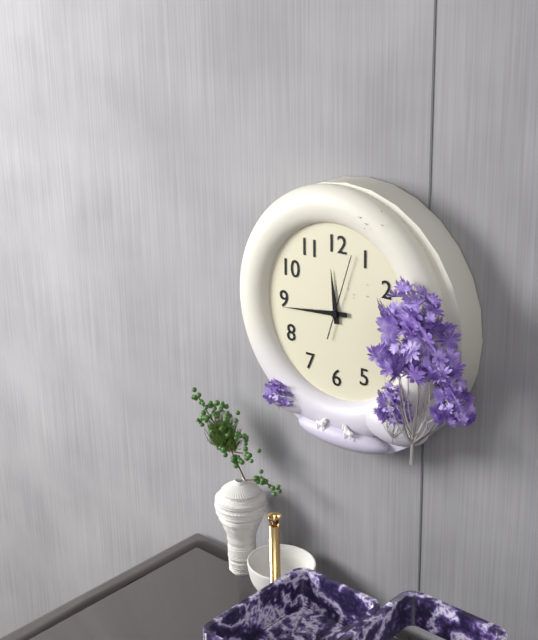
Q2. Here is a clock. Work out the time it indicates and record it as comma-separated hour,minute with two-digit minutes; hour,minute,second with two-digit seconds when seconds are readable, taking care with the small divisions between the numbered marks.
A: 11,44,03
